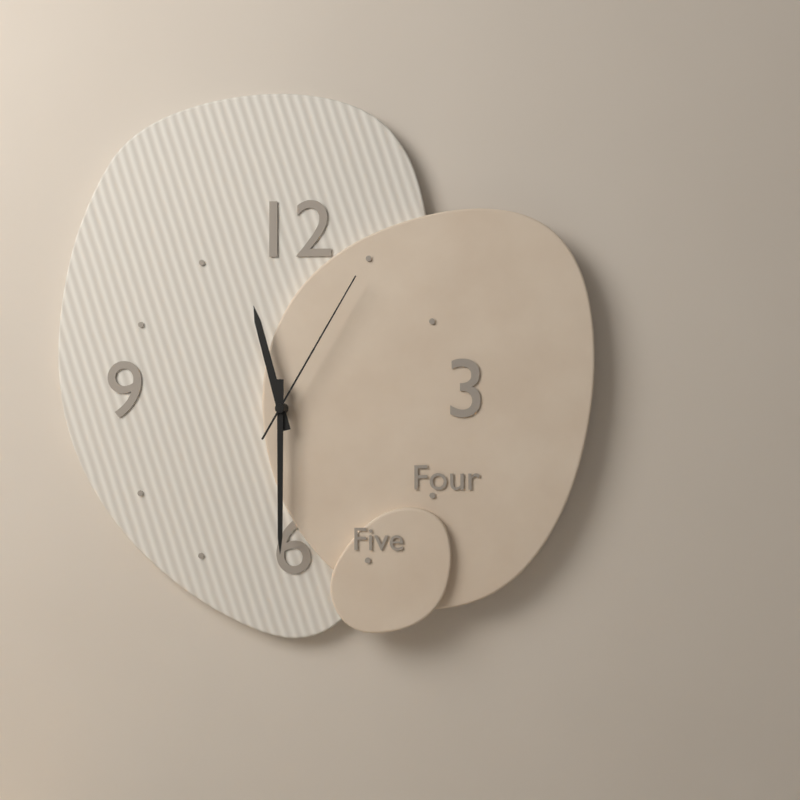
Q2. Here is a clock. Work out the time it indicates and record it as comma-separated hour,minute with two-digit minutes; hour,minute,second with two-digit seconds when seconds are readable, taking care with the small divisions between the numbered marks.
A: 11,30,05
